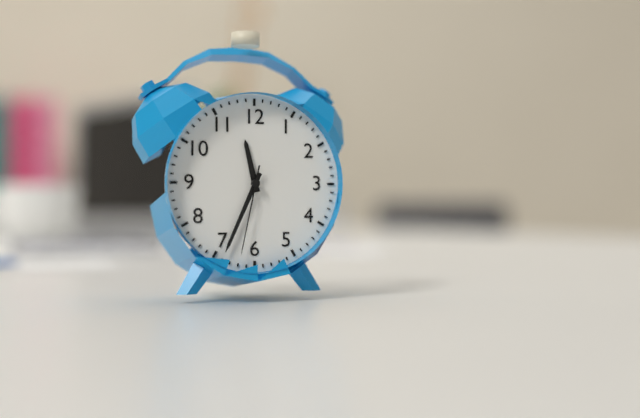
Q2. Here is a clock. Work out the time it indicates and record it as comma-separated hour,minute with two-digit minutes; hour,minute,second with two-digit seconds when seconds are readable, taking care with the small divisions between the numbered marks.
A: 11,34,32
